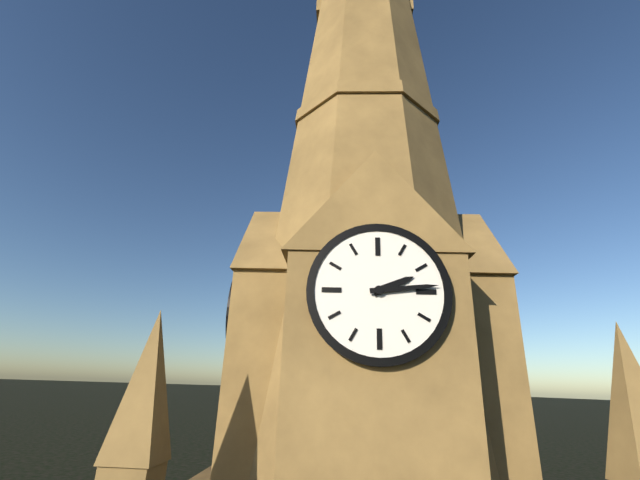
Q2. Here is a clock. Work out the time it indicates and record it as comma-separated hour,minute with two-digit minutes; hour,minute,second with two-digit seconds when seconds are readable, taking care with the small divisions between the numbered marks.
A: 2,14
